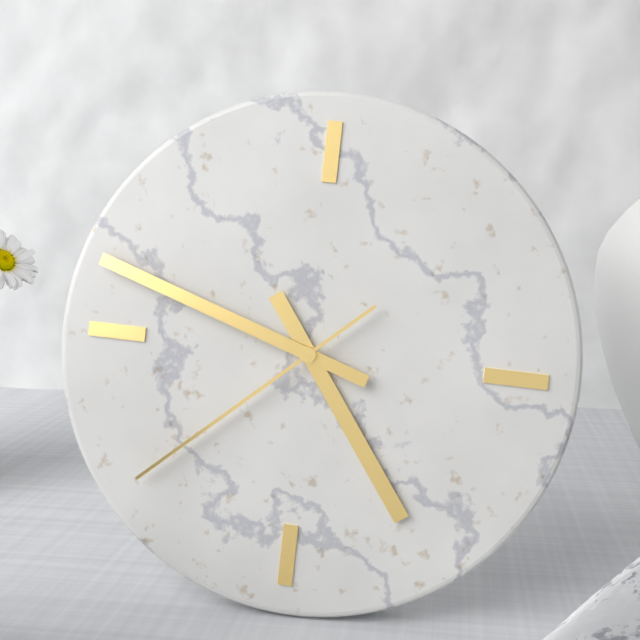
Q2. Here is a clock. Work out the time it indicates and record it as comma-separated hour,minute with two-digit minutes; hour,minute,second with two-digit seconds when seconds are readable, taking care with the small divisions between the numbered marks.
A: 4,48,38
